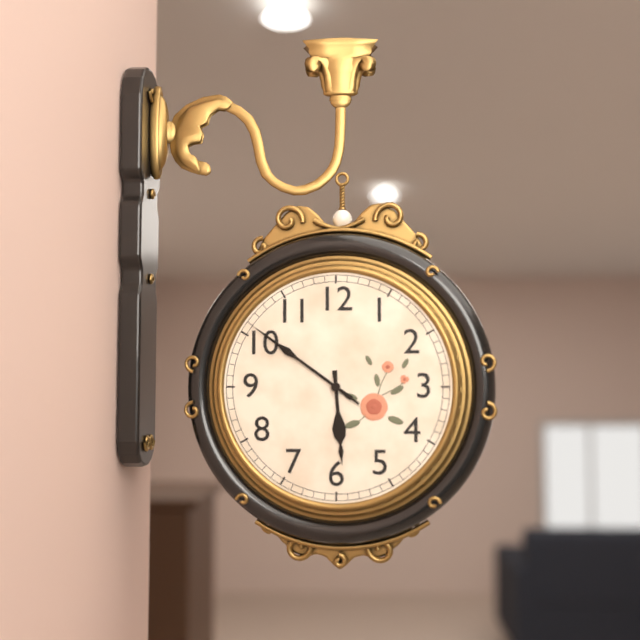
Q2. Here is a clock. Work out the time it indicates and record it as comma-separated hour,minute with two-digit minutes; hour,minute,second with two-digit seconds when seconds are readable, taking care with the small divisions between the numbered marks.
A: 5,51,51
